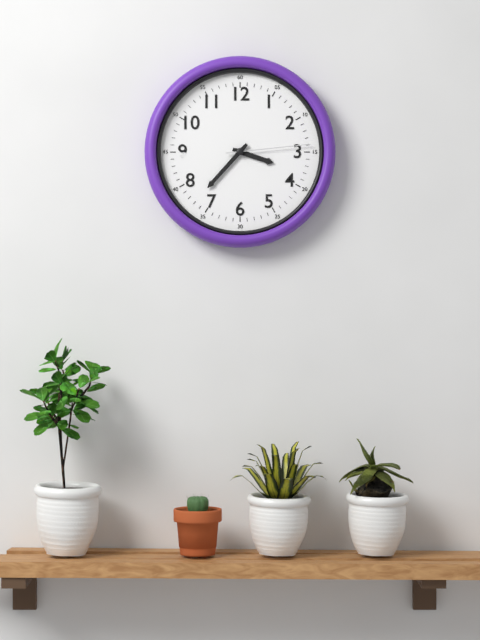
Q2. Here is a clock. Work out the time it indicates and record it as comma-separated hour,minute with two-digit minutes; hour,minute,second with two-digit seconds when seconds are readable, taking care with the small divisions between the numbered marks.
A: 3,37,14
